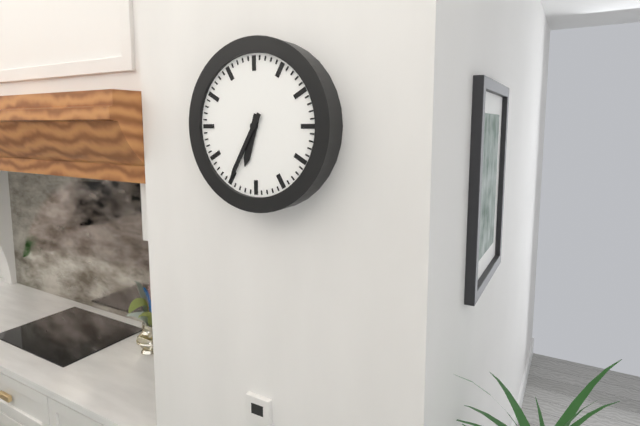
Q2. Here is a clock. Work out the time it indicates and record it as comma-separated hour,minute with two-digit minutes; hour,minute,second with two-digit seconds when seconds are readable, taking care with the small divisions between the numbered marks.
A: 6,35
